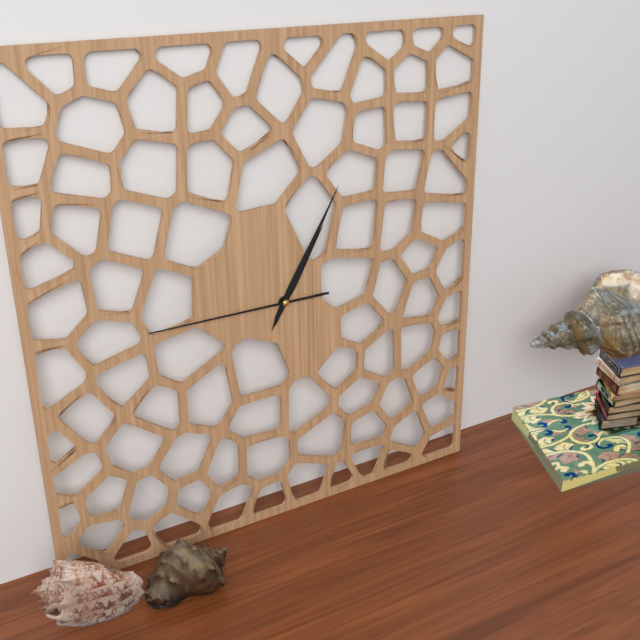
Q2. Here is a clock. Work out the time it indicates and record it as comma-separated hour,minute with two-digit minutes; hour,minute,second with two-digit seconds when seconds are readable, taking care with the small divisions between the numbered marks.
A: 1,05,45
